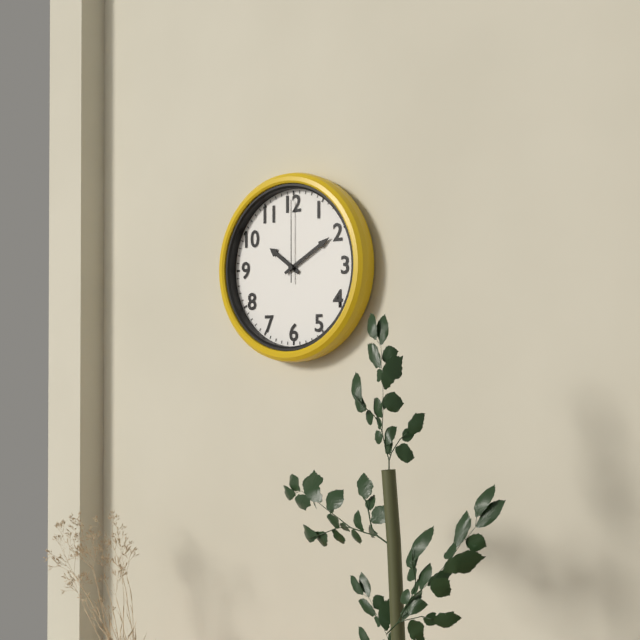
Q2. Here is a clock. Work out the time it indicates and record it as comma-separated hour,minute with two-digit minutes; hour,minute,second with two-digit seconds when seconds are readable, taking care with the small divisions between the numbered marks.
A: 10,10,00
